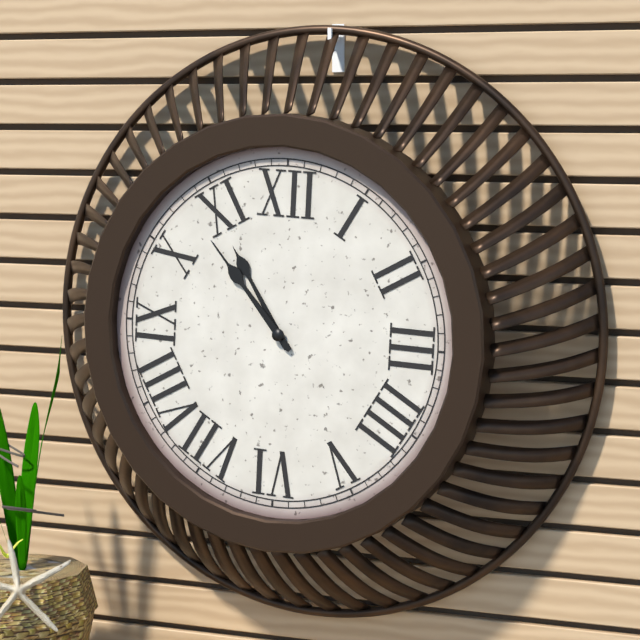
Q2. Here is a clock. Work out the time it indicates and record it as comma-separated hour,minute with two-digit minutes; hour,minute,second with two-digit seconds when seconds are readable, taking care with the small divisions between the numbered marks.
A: 10,53
